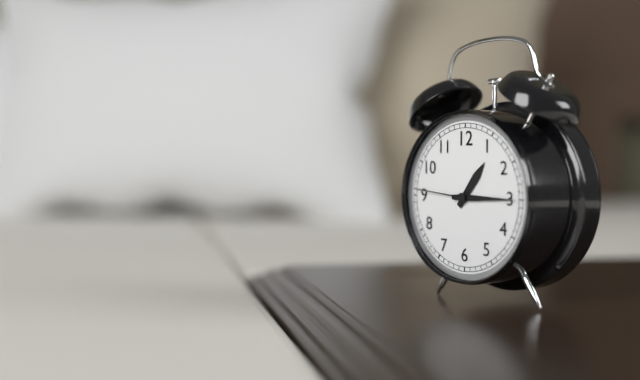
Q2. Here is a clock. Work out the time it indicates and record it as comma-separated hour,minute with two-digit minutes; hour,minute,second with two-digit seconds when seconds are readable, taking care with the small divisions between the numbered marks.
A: 1,15,46
